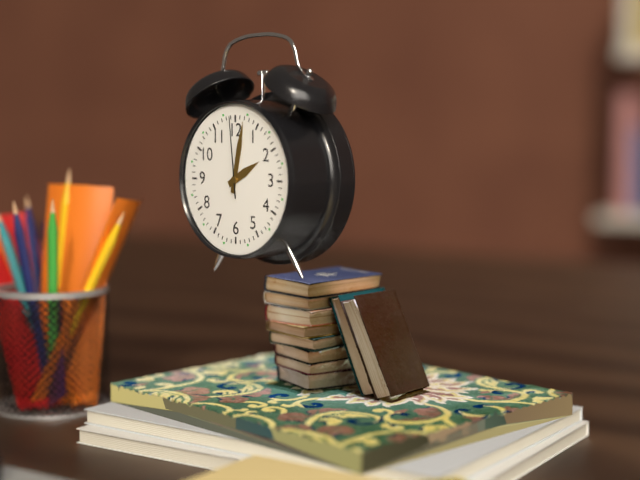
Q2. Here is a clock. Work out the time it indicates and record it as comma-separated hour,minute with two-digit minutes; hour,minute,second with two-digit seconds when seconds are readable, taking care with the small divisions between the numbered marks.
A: 2,02,59
